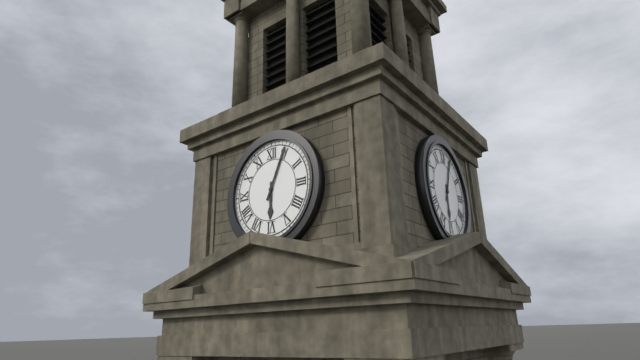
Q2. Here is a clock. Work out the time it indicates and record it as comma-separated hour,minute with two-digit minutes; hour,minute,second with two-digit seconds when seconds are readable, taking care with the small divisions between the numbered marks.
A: 6,04
